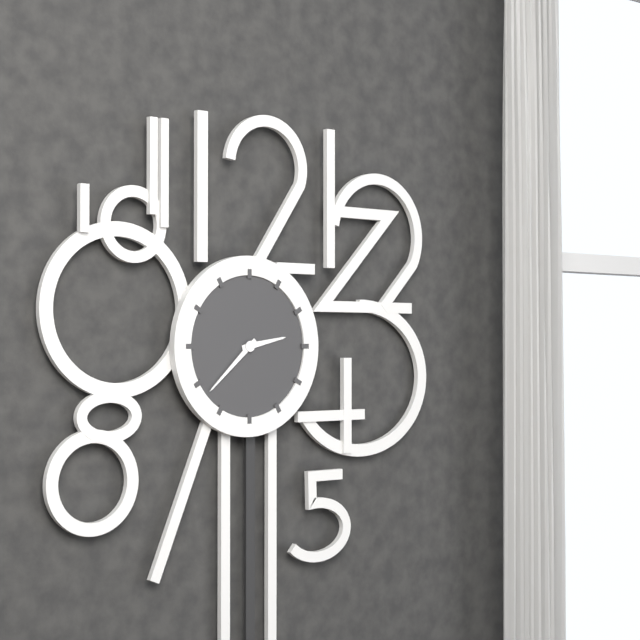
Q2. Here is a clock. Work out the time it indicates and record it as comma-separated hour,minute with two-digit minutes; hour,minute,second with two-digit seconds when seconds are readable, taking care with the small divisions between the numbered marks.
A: 2,38
